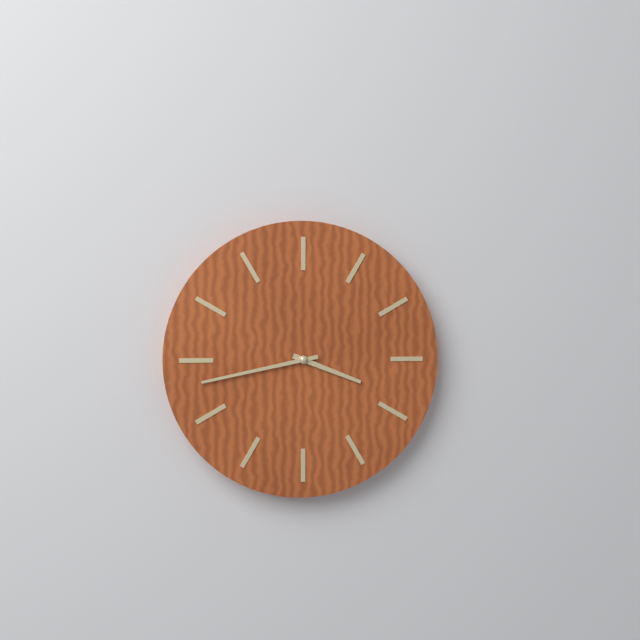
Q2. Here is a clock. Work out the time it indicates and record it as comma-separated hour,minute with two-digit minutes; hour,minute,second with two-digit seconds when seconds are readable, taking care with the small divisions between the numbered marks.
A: 3,43
